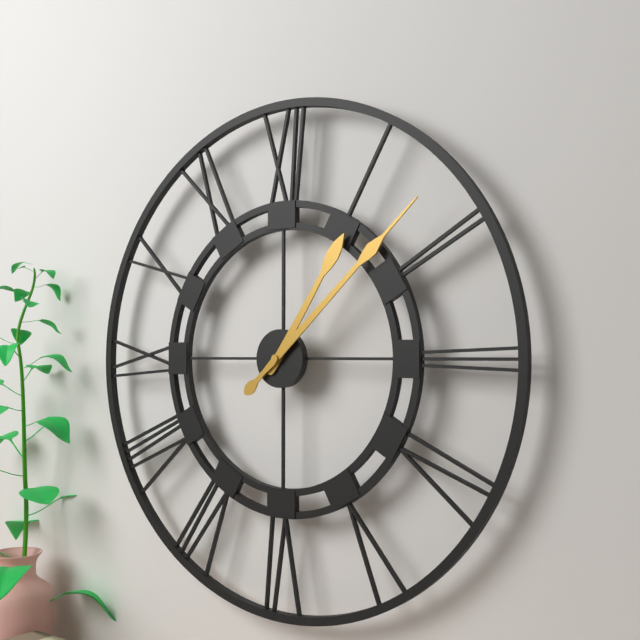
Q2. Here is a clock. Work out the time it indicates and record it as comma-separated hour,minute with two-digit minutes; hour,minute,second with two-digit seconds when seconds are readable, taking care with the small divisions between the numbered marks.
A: 1,08
